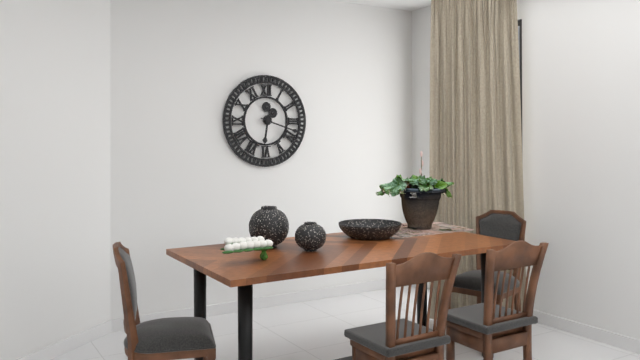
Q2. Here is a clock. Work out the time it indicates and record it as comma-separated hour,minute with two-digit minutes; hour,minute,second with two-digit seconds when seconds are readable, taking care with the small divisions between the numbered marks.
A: 6,18
